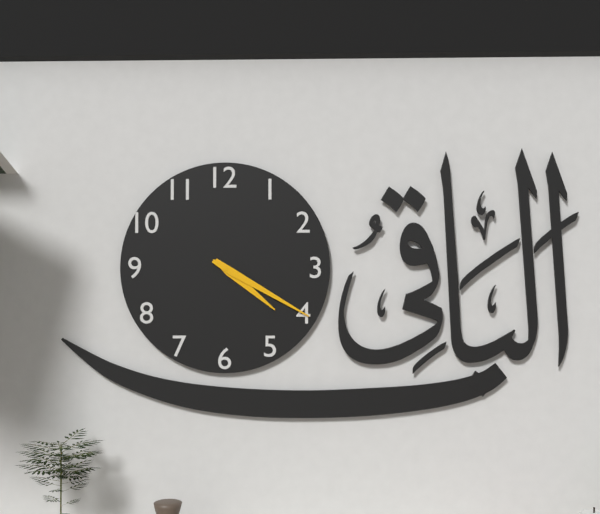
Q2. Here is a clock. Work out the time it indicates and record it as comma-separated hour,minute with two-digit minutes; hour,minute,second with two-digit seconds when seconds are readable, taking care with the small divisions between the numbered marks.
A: 4,20
